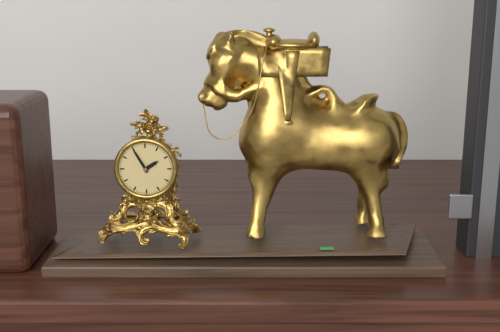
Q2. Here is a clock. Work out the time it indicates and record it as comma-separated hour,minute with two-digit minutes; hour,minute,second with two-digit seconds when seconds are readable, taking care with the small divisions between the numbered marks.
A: 1,55
